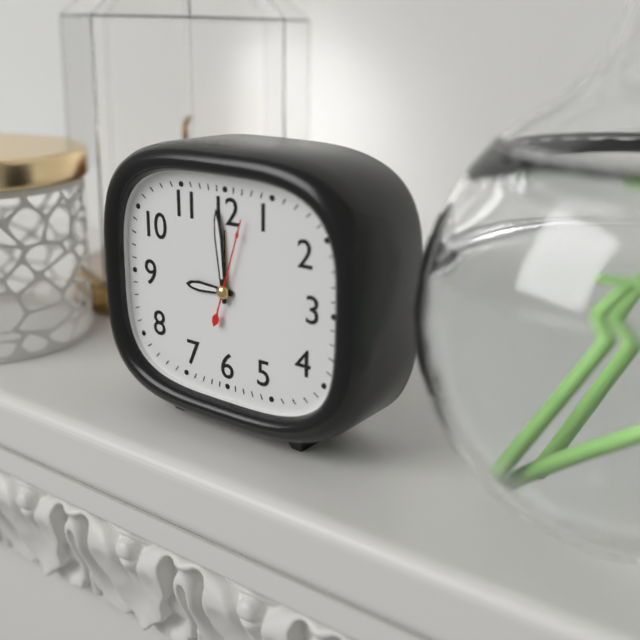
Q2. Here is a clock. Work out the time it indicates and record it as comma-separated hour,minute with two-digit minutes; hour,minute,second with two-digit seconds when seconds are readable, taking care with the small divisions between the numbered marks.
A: 8,59,03
